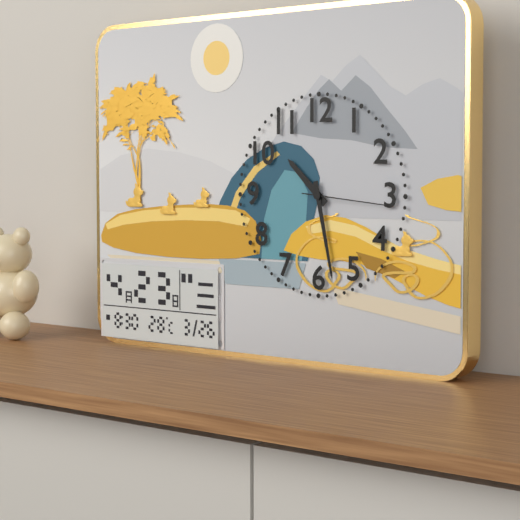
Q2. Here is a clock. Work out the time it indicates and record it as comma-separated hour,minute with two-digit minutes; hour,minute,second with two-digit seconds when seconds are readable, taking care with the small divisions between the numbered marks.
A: 10,28,16
